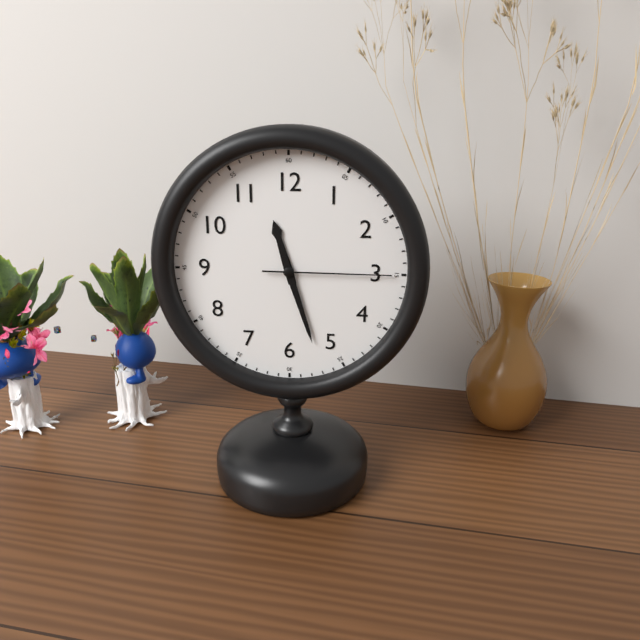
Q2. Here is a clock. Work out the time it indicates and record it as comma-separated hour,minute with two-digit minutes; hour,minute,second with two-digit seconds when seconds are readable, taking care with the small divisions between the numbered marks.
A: 11,27,15
